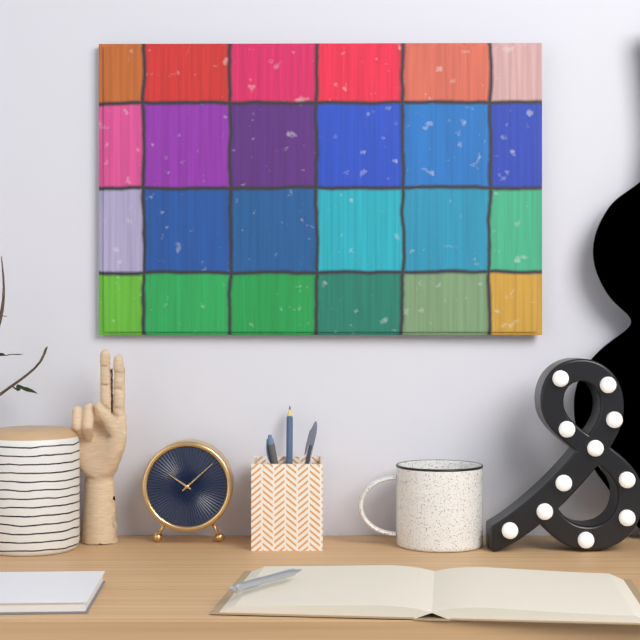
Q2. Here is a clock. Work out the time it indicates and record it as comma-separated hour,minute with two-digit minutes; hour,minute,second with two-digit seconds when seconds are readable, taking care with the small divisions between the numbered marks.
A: 10,08
